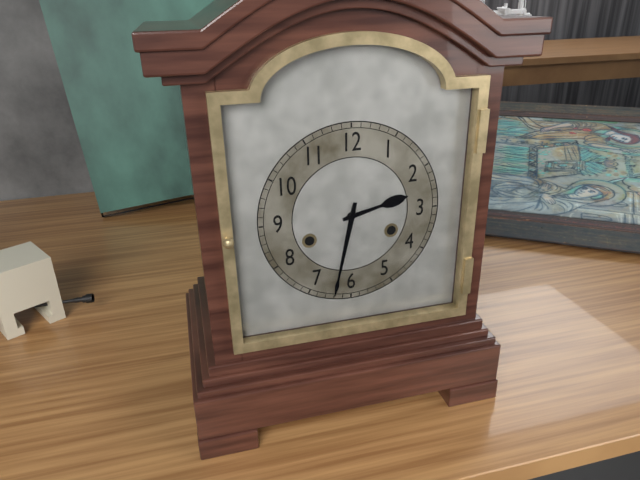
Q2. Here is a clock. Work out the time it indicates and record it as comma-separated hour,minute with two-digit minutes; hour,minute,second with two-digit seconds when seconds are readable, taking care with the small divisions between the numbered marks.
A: 2,32
